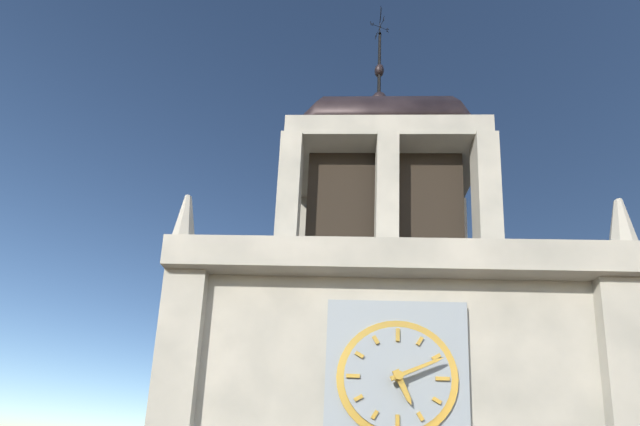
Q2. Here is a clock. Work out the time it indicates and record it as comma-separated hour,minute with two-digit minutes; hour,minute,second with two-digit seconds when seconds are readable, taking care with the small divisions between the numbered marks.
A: 5,11
